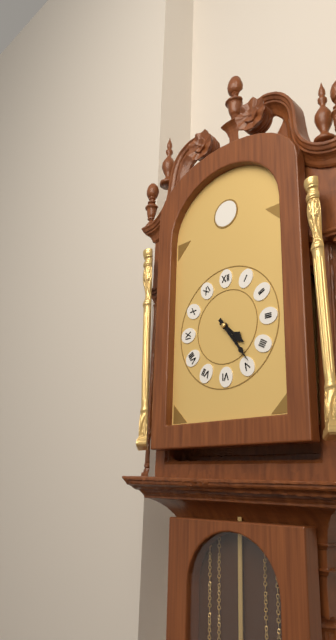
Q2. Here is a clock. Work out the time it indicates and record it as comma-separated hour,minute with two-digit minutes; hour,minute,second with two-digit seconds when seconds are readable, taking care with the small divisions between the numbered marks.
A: 4,24
